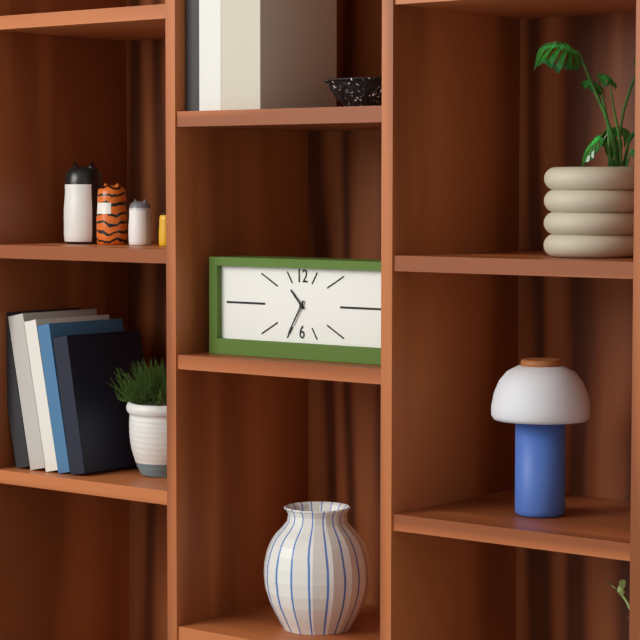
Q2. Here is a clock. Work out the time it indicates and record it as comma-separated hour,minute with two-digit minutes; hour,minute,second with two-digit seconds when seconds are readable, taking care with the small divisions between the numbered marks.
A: 10,35
